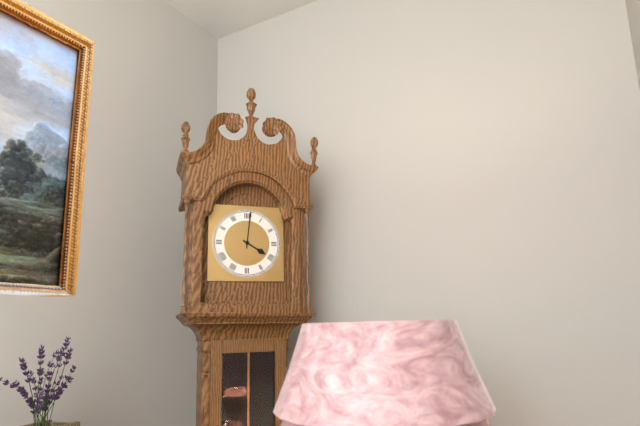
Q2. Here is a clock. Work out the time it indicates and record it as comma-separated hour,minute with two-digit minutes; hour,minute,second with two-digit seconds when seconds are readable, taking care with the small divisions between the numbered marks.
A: 4,01
